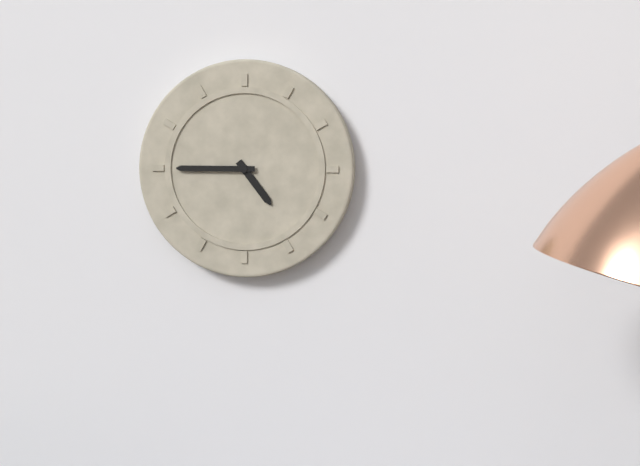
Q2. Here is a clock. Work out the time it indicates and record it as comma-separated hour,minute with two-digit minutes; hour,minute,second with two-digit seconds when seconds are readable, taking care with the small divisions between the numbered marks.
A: 4,45
